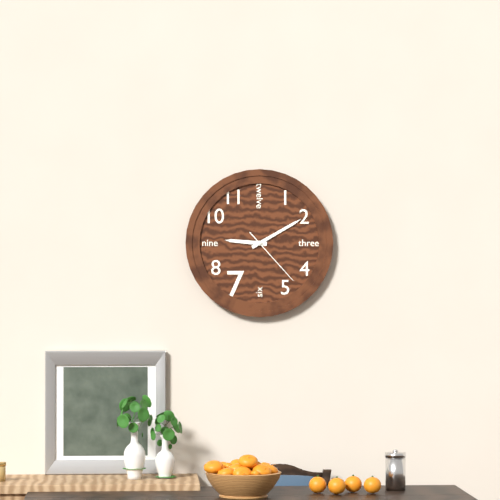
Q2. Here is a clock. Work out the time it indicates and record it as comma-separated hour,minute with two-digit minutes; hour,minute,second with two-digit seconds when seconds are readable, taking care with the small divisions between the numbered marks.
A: 9,10,23
